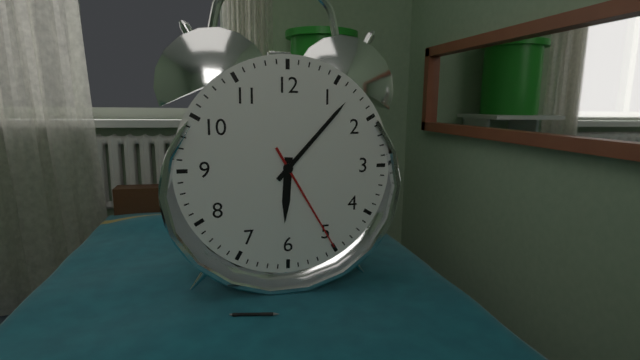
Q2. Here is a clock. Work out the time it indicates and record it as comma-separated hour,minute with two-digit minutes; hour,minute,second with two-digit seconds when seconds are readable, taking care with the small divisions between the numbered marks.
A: 6,07,25
